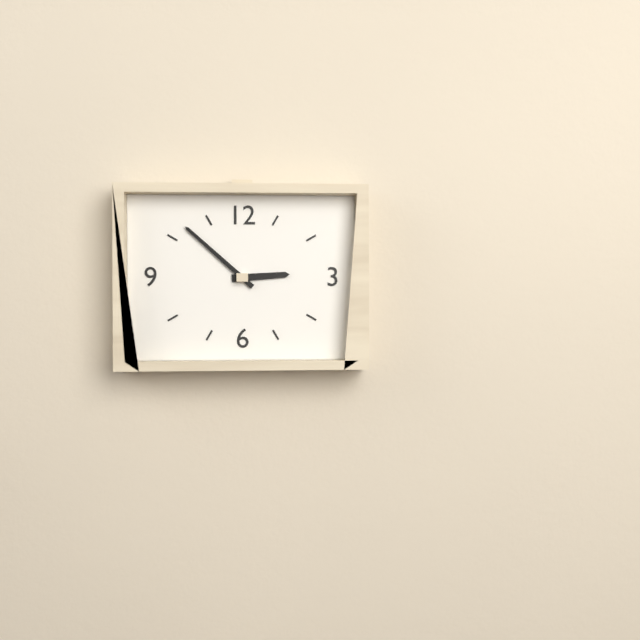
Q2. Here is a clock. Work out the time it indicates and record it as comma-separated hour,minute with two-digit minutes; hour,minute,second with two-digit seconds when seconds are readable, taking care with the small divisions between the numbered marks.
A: 2,52
